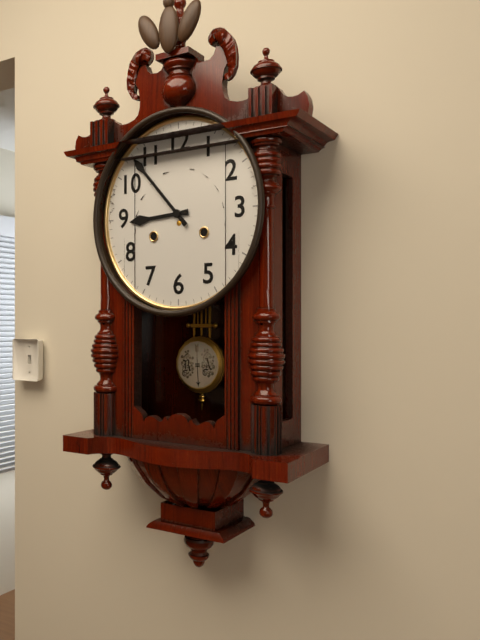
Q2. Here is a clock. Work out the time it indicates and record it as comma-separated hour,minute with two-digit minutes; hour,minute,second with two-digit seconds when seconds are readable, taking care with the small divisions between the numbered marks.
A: 8,53
